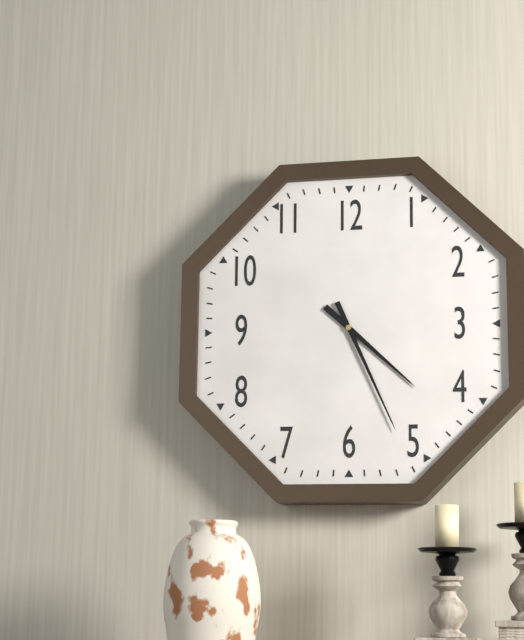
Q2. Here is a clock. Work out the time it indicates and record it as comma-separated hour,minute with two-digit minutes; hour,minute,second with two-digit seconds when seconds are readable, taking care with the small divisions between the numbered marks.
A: 4,26
